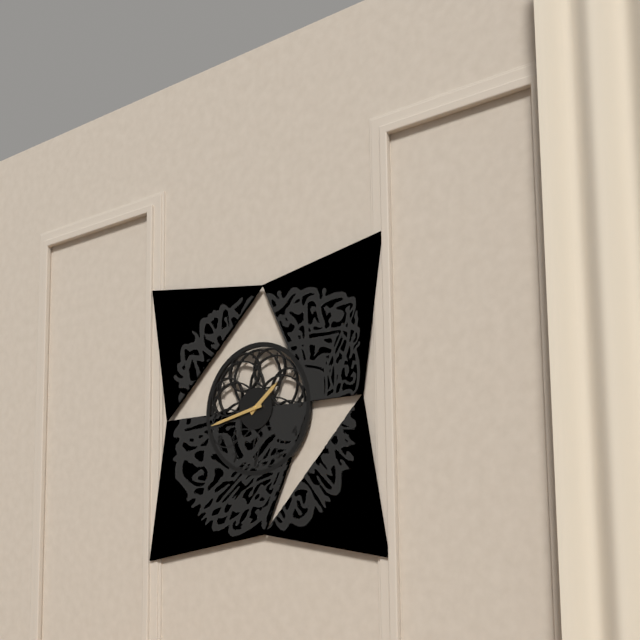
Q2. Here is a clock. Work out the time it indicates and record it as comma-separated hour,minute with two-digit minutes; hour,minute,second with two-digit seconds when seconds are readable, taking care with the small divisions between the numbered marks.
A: 1,43
